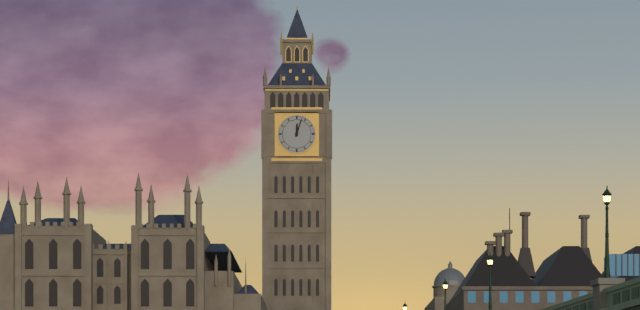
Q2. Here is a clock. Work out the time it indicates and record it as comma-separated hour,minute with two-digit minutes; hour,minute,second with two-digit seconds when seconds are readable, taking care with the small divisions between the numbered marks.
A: 12,03
